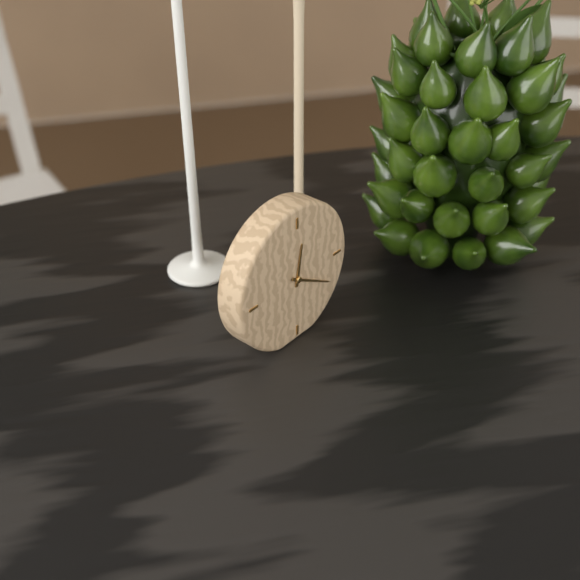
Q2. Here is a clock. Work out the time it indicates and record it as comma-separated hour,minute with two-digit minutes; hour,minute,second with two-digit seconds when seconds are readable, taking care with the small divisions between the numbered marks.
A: 12,20
